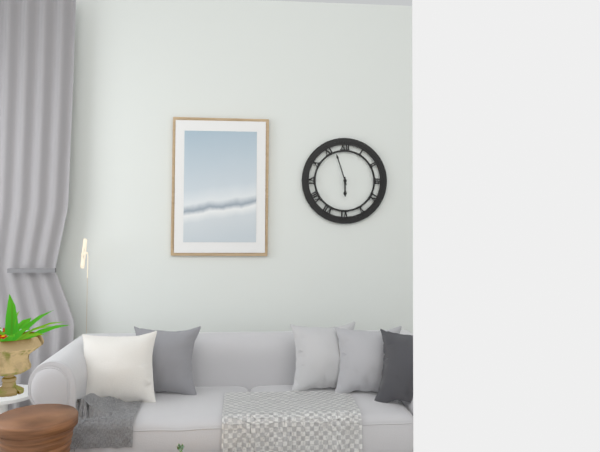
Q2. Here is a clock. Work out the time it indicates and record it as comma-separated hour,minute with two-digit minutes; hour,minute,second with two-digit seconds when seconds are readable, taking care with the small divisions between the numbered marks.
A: 5,57
